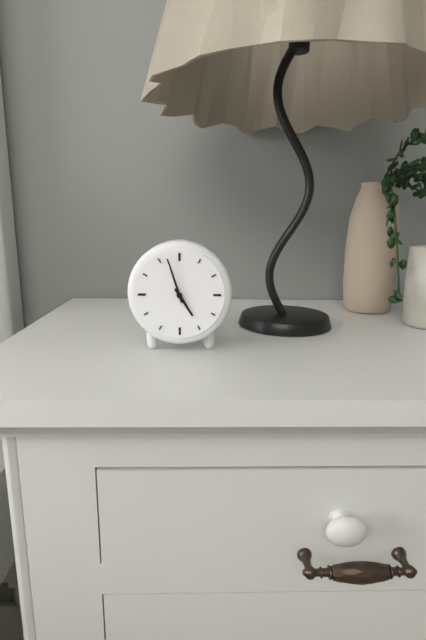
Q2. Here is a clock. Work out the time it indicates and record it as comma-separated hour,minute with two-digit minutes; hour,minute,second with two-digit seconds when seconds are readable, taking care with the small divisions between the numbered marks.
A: 4,57
